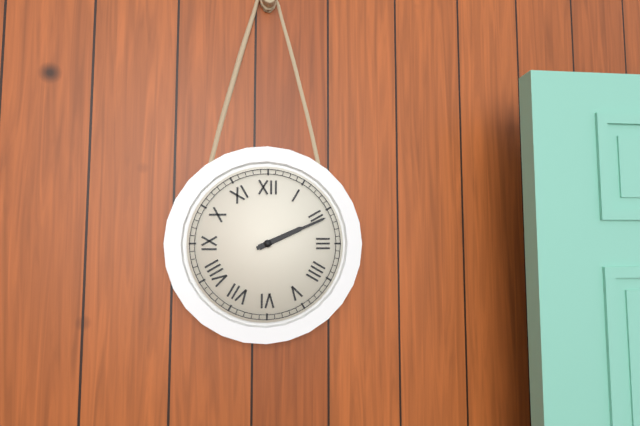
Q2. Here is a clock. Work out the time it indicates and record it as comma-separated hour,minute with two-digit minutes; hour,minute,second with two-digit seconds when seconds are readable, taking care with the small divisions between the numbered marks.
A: 2,11
